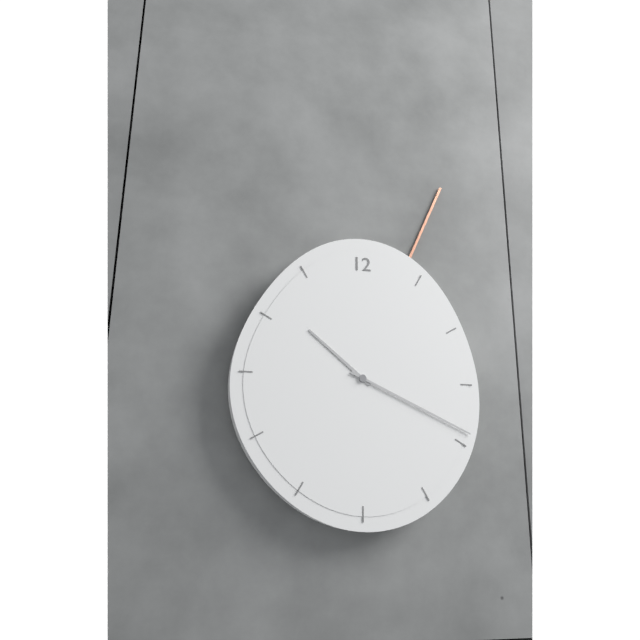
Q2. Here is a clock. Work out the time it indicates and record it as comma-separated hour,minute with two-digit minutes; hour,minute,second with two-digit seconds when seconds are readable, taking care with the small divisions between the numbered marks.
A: 10,19,04
